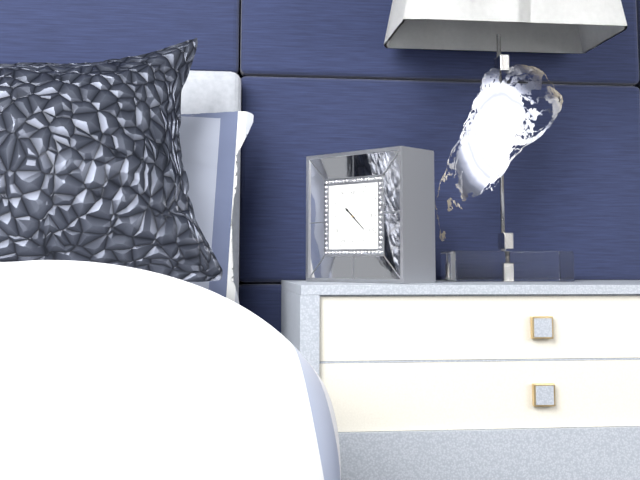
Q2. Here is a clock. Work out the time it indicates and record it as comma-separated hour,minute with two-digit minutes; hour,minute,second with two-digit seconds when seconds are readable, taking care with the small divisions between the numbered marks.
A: 10,22
